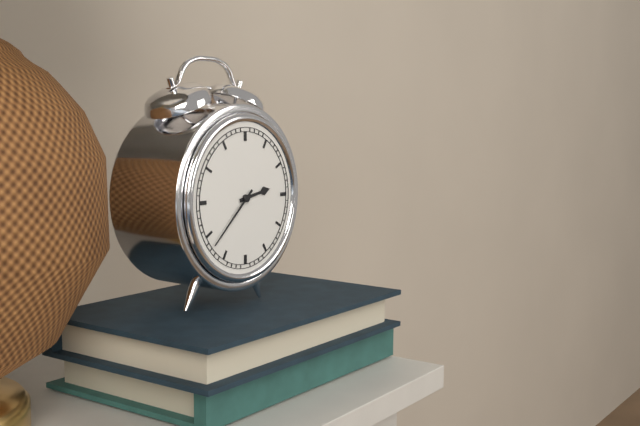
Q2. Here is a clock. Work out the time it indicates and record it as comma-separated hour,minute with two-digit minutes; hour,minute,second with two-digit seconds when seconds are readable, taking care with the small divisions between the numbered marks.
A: 2,38
